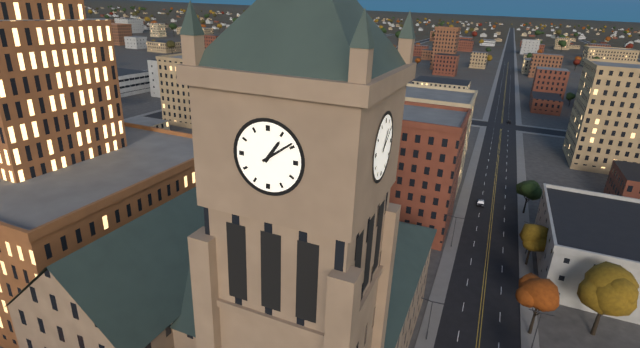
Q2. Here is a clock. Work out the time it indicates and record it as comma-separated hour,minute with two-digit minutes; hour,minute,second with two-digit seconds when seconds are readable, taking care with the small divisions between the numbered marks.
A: 1,09
